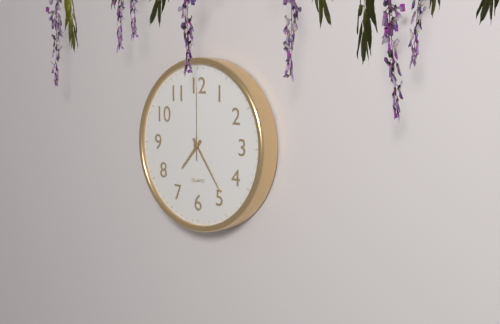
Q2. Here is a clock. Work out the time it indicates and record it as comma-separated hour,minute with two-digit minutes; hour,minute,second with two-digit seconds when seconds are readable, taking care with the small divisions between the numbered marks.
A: 7,24,00
